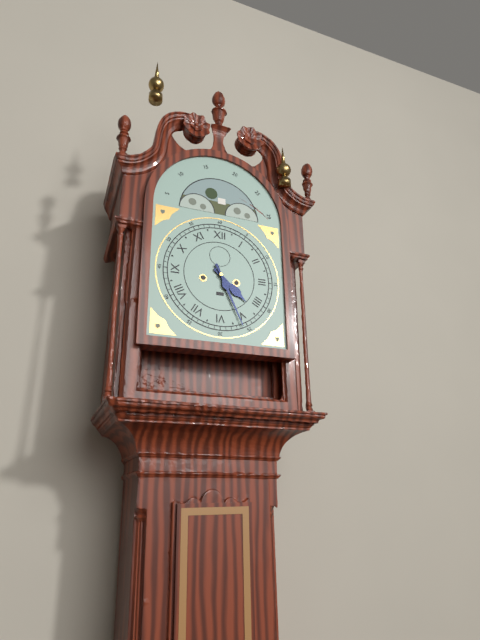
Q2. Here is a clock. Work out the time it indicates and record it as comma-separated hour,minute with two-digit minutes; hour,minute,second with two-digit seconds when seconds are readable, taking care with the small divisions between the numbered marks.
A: 4,26
